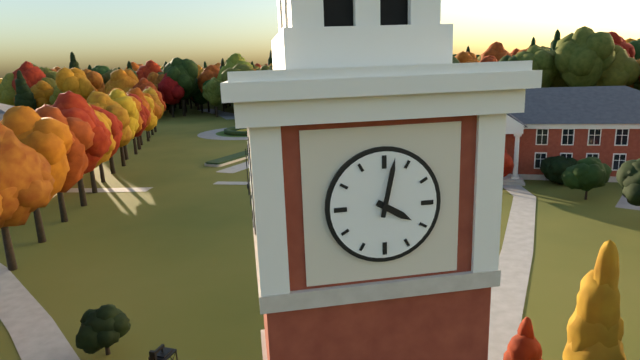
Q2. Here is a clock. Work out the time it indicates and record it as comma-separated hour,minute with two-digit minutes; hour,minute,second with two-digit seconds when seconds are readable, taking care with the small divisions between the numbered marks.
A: 4,02
